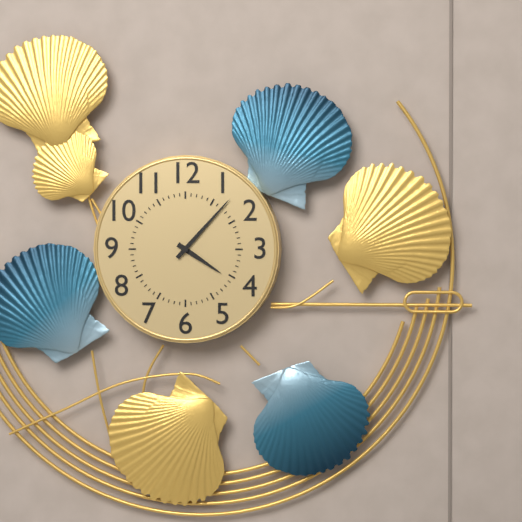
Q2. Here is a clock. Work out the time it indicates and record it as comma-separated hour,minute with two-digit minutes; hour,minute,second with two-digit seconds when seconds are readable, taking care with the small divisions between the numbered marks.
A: 4,07
